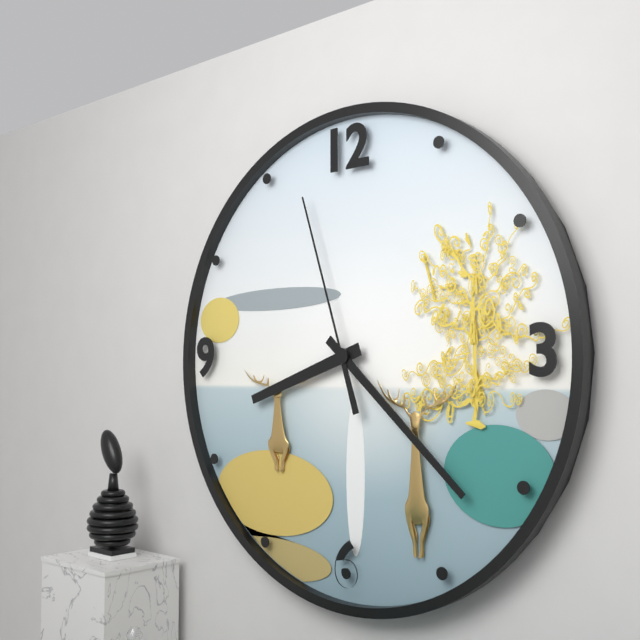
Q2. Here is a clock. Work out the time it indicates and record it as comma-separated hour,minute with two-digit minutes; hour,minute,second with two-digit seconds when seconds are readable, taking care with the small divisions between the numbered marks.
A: 8,22,57
